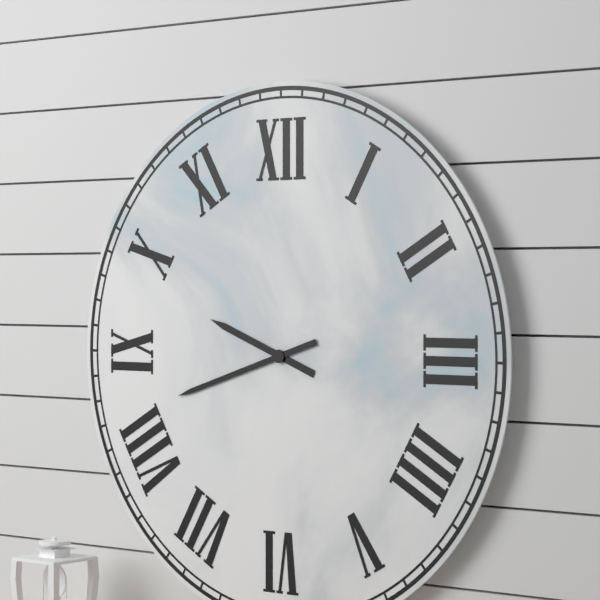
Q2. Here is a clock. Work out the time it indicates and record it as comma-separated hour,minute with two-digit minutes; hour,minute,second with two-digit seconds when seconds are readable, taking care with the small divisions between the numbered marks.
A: 9,42
